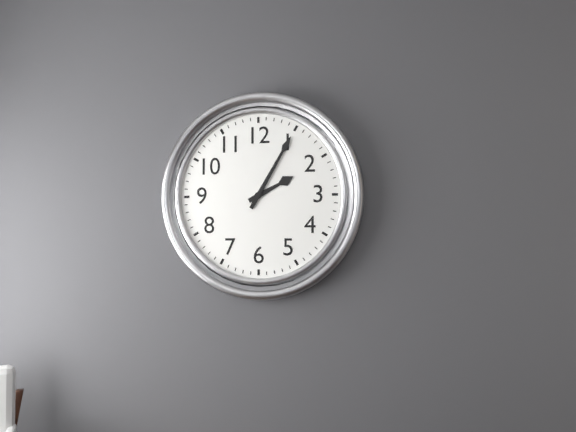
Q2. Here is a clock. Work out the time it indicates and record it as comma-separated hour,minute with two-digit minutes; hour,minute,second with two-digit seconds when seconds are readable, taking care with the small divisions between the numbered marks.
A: 2,05
